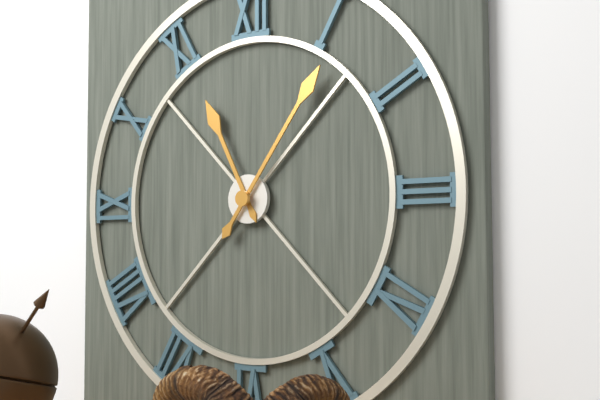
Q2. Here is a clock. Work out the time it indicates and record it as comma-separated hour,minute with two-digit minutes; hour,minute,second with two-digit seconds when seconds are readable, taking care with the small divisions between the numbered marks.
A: 11,06
